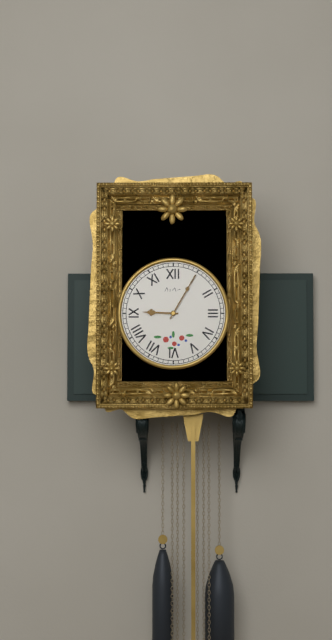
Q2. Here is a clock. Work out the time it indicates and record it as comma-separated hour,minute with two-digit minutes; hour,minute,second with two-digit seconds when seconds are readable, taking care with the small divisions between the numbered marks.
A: 9,05
